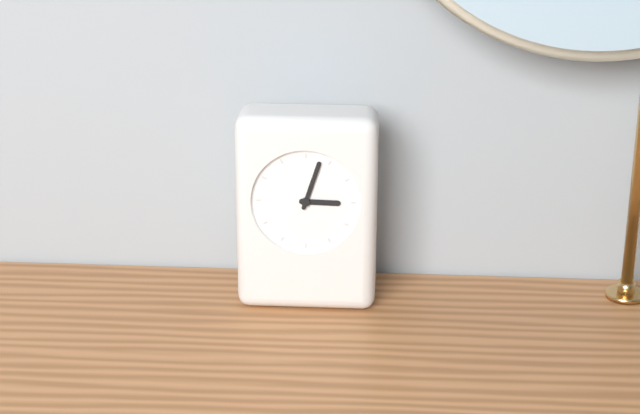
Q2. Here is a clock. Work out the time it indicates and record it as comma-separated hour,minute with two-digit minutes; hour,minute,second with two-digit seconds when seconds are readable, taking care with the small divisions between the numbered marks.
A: 3,03
